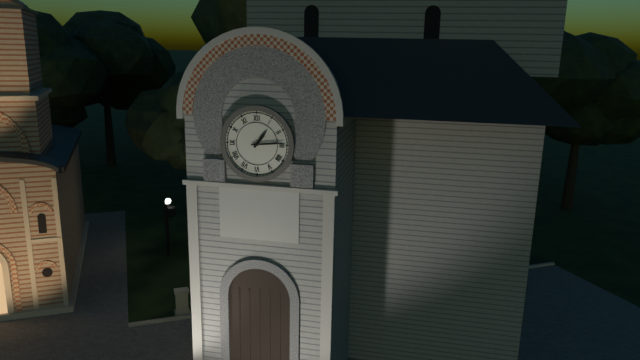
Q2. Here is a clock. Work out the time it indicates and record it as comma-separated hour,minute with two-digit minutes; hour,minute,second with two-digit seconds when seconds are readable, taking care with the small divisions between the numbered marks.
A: 1,14
